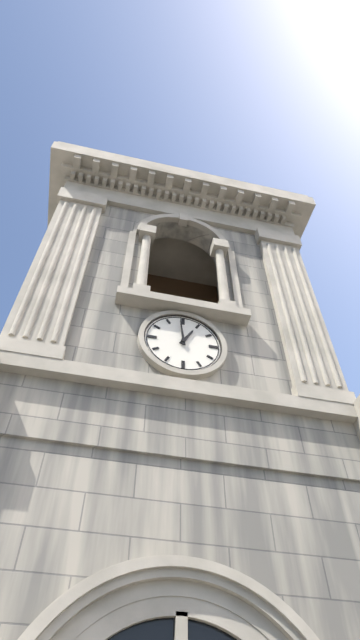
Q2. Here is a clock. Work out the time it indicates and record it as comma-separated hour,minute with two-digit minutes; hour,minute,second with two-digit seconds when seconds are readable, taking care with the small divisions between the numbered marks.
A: 12,59
